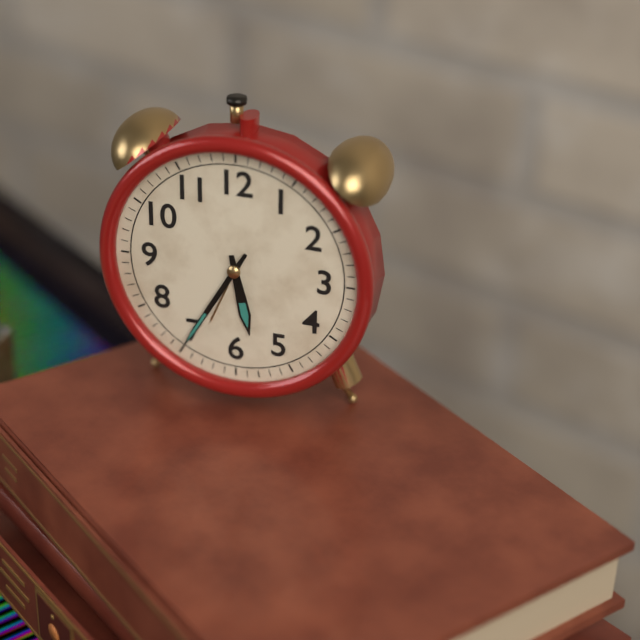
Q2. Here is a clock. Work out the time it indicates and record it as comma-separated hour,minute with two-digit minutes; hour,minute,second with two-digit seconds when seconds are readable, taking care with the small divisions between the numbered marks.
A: 5,35
